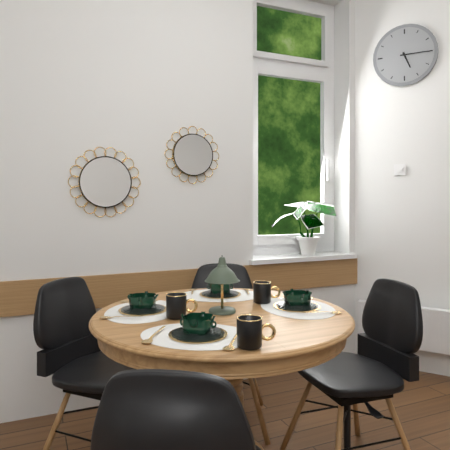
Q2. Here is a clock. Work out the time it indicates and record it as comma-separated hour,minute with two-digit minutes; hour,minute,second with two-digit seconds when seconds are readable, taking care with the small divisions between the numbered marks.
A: 5,15
